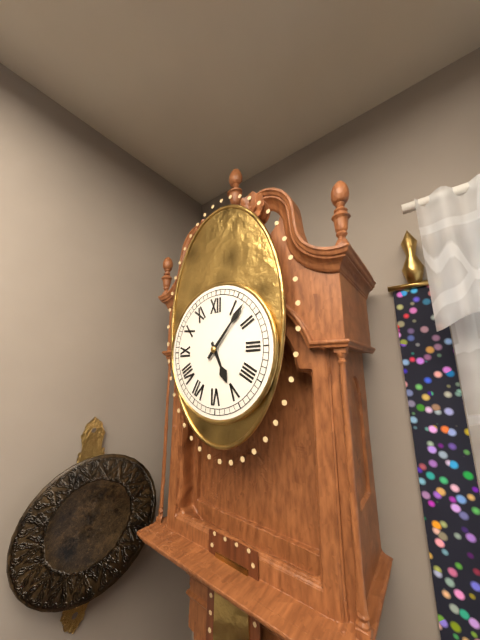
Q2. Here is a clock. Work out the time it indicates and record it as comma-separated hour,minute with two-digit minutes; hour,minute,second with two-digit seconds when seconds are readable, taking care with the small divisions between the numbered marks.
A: 5,07
